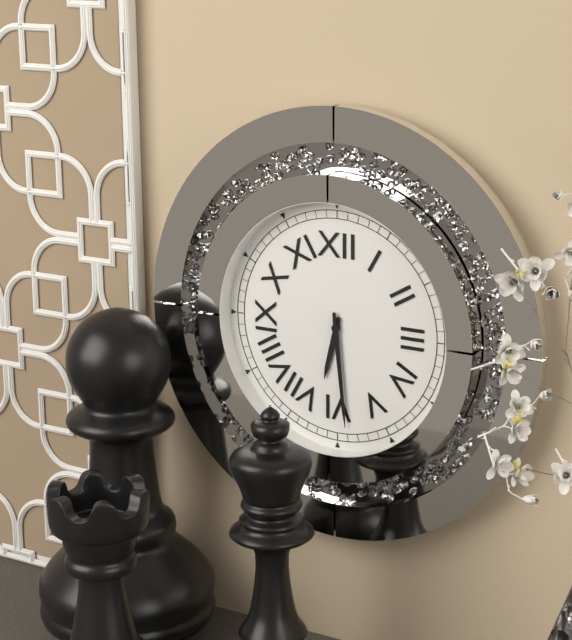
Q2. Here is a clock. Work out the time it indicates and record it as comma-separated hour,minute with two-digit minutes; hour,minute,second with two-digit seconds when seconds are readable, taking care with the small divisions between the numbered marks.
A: 6,29
